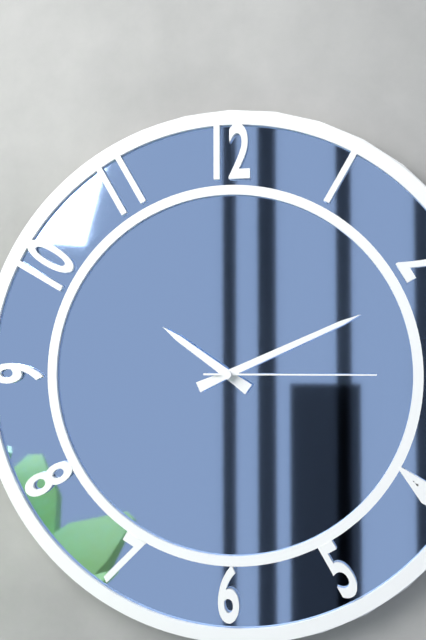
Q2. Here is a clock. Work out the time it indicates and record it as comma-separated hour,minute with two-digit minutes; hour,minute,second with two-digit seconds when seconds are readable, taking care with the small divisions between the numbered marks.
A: 10,11,15
